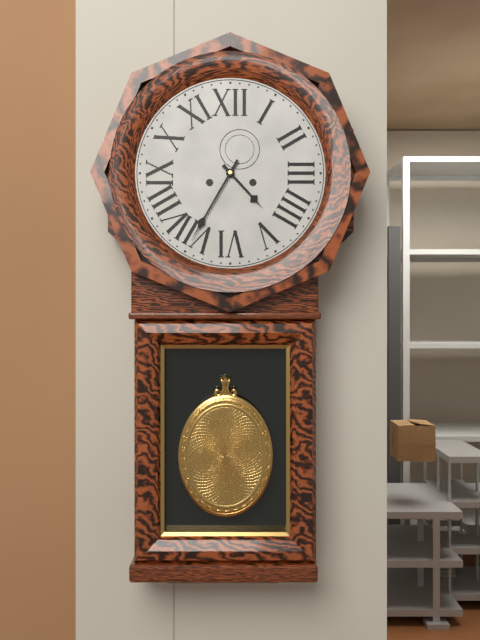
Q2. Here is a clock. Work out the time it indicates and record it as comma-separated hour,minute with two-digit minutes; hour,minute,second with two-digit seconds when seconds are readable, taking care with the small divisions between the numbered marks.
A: 4,35
